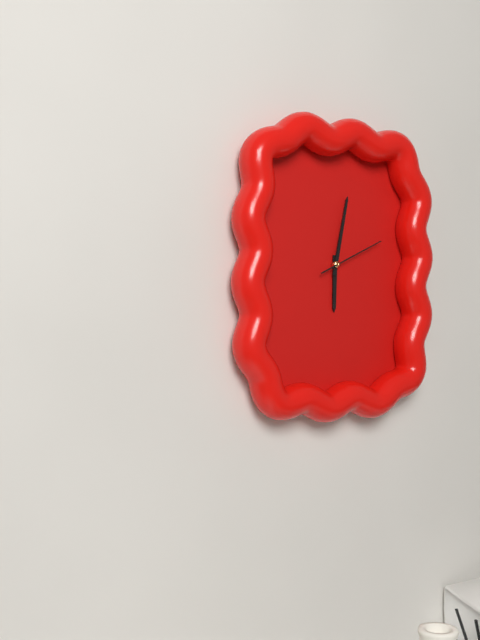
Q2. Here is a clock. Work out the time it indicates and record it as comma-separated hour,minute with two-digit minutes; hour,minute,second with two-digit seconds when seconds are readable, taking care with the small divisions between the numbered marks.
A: 6,02,11
